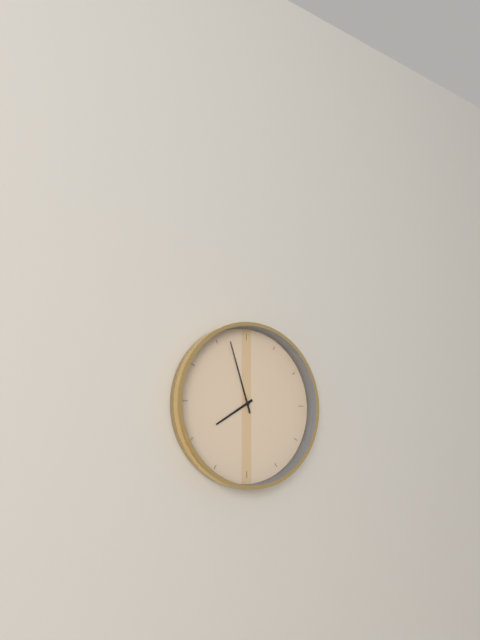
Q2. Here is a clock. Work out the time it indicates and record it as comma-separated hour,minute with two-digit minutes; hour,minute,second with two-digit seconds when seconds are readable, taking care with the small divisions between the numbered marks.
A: 7,57
